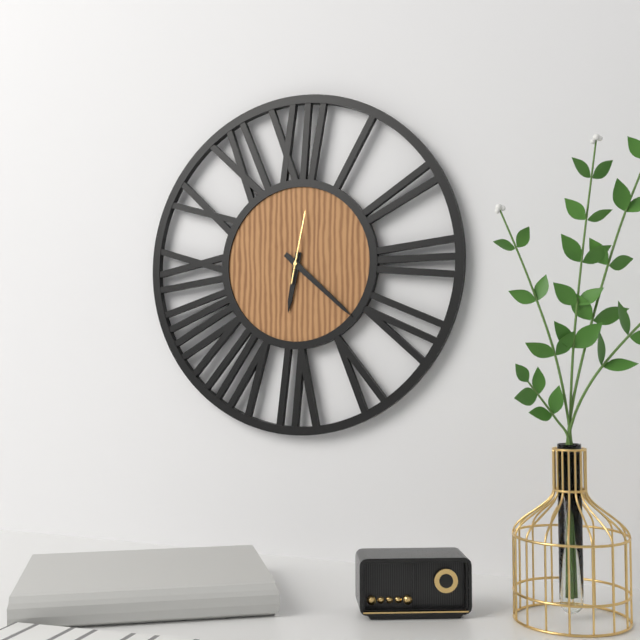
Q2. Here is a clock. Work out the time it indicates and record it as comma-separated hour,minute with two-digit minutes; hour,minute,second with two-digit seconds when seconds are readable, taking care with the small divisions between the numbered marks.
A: 6,22,02
